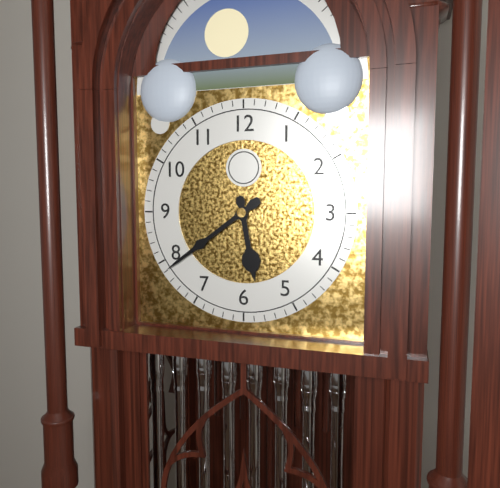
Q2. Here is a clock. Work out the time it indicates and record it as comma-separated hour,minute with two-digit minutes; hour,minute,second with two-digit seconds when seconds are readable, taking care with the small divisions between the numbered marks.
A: 5,39
